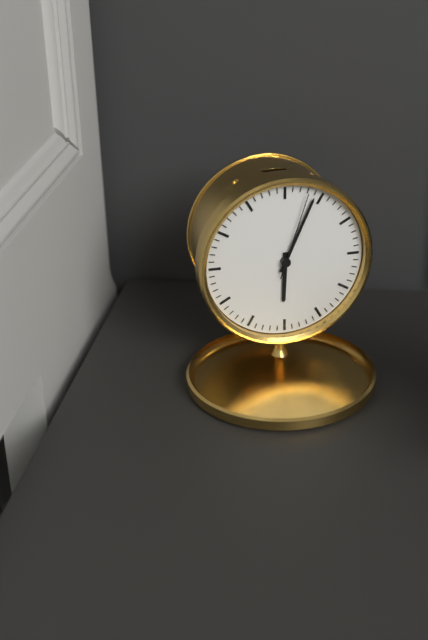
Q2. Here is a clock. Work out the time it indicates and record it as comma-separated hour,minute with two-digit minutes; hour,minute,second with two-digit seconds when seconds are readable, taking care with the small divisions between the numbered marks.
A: 6,04,03
